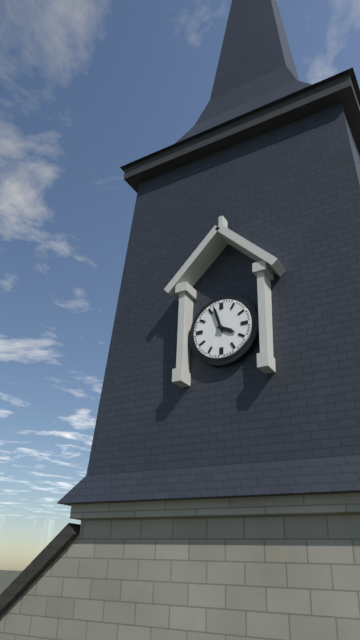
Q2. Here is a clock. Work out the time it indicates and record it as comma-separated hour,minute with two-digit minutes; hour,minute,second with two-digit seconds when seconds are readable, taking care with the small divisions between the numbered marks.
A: 3,57
